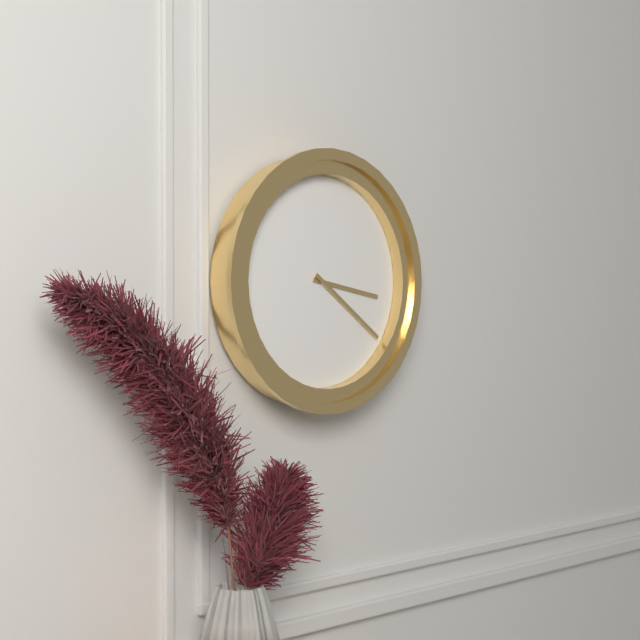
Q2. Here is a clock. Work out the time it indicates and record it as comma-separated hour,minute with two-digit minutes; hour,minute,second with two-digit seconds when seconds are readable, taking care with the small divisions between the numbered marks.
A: 3,21
